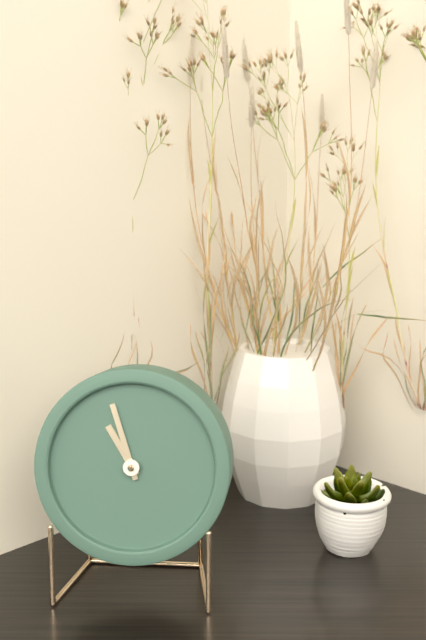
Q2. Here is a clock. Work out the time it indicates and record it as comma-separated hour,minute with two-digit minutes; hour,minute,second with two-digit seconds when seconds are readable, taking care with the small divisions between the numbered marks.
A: 10,57
